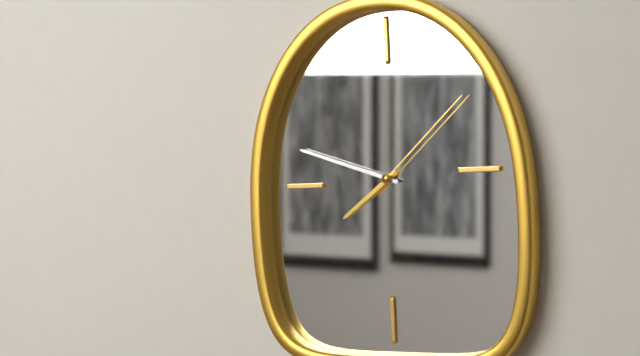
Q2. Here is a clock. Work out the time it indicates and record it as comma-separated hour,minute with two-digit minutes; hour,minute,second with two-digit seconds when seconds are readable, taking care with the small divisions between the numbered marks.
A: 7,48,08
